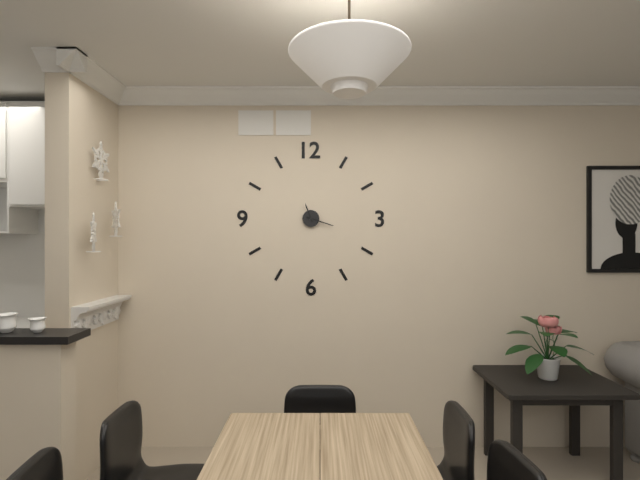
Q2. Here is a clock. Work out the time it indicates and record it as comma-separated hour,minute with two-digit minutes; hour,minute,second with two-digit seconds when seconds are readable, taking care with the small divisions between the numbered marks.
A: 11,18
